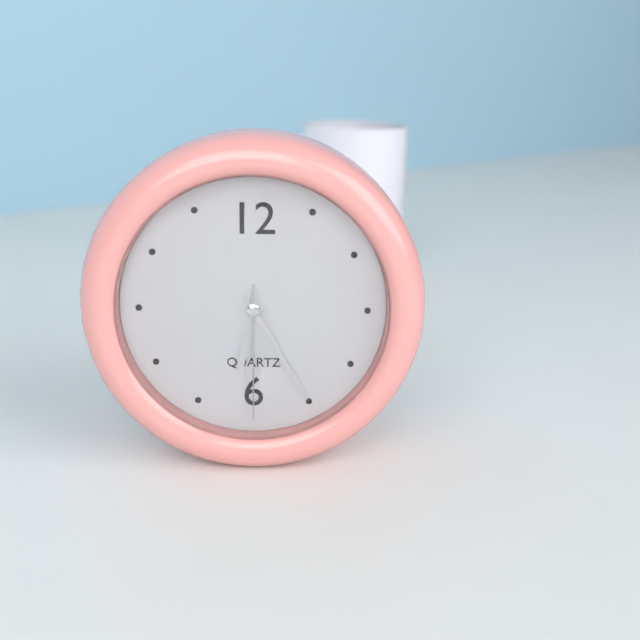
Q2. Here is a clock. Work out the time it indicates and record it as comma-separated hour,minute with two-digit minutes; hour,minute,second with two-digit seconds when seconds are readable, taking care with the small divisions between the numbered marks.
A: 6,25,30
